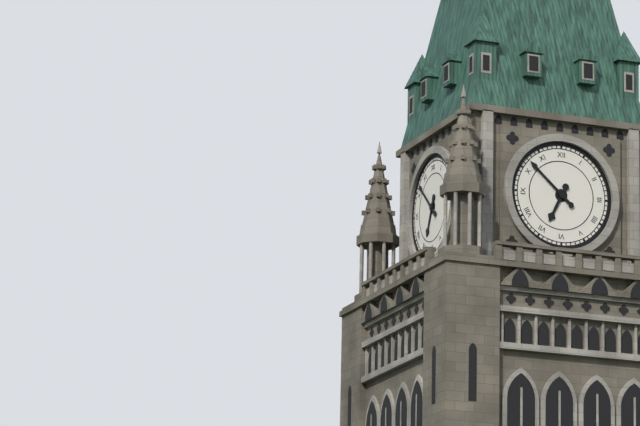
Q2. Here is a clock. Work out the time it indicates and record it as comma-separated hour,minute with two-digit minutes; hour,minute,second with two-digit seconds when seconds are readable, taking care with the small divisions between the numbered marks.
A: 6,52
